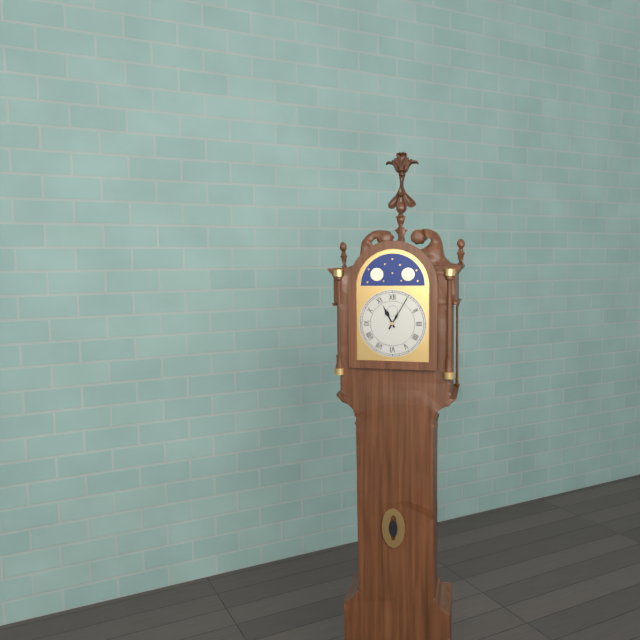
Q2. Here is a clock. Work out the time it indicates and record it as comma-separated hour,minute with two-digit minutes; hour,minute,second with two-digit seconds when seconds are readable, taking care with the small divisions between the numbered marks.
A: 11,05
